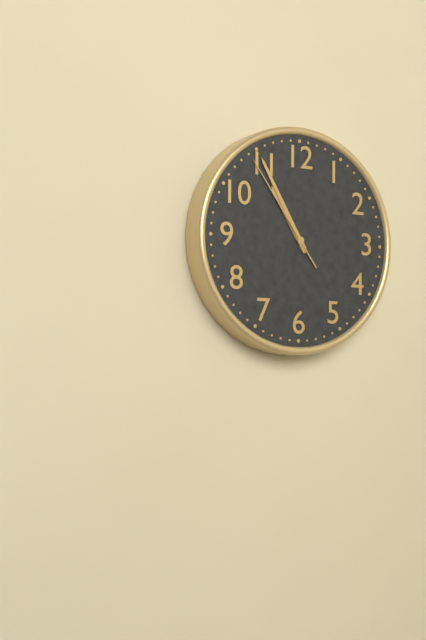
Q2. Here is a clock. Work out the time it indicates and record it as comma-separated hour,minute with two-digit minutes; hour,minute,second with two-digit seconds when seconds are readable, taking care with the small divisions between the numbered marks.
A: 10,55,54
